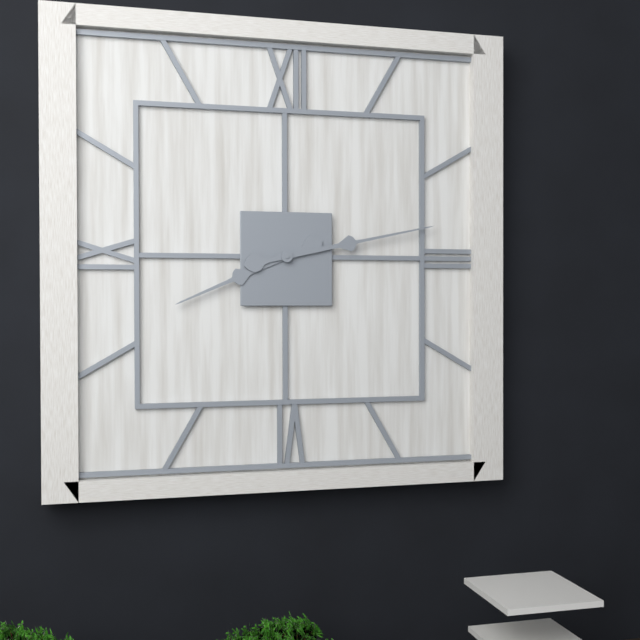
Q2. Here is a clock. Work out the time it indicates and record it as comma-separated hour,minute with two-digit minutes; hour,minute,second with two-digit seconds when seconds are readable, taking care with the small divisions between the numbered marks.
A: 8,13
